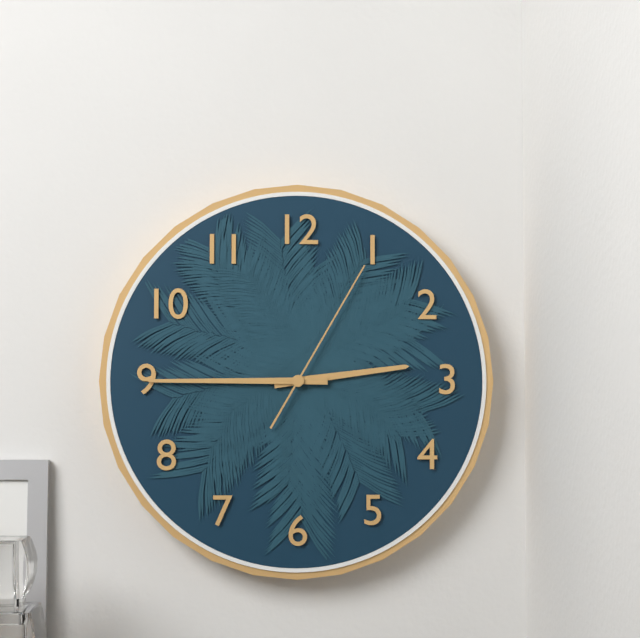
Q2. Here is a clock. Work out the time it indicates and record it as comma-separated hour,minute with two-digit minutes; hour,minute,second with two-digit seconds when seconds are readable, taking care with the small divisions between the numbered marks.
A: 2,45,05
